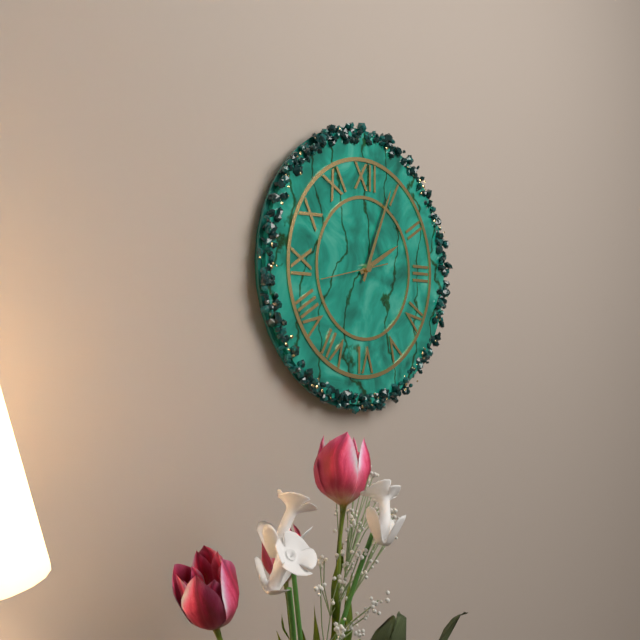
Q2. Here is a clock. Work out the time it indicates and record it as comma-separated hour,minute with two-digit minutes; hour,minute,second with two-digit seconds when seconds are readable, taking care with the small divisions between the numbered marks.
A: 2,04,43
